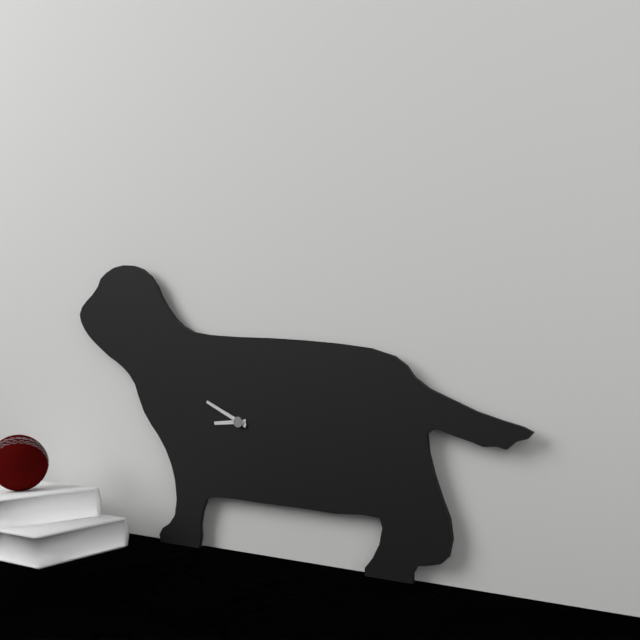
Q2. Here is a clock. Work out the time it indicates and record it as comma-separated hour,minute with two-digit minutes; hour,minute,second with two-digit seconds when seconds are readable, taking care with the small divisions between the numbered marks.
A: 8,49
